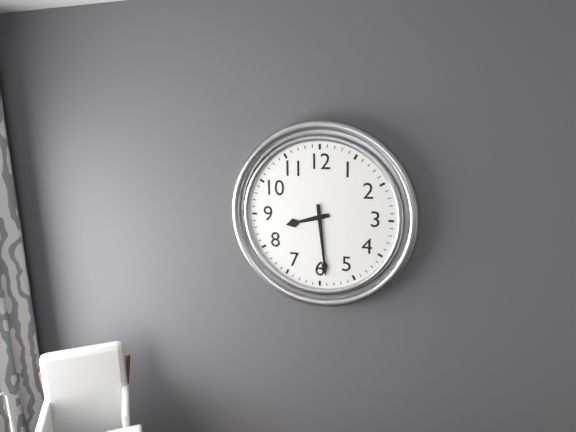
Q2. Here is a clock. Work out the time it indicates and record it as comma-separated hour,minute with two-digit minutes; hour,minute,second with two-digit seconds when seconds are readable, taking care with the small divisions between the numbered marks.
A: 8,29
